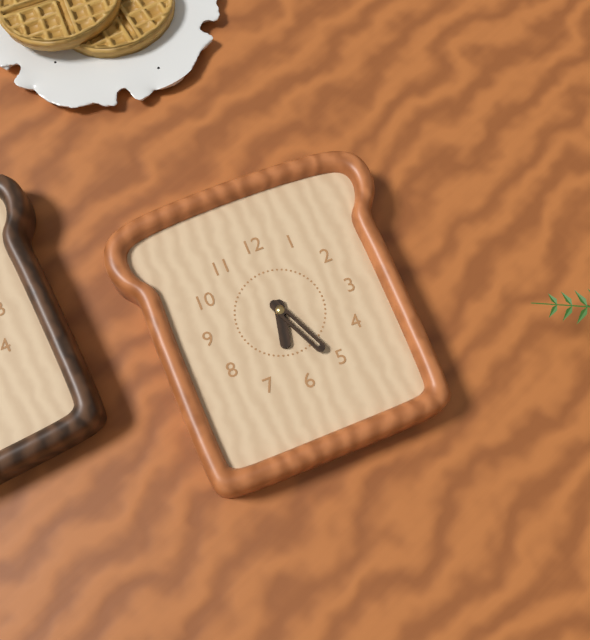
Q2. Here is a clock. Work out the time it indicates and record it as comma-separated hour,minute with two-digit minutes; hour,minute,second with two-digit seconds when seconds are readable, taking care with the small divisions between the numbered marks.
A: 6,26
